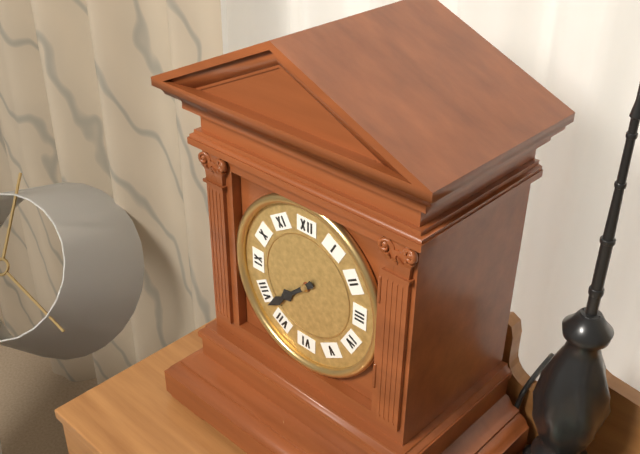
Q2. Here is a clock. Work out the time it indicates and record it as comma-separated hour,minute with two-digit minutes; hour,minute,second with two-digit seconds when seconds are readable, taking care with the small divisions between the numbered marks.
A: 7,38
